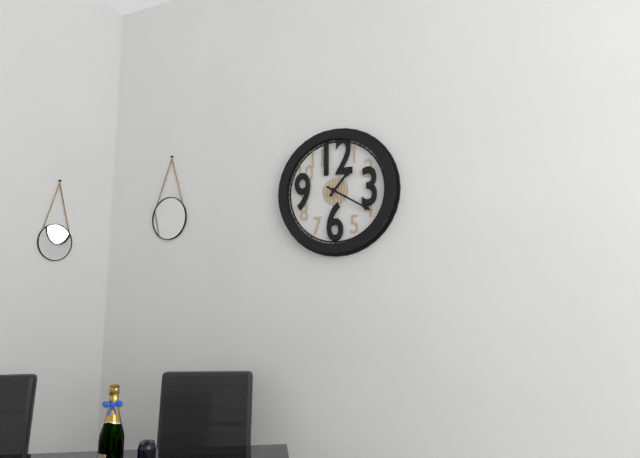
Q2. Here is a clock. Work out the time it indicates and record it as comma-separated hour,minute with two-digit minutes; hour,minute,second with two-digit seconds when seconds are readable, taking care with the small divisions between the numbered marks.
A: 1,20
